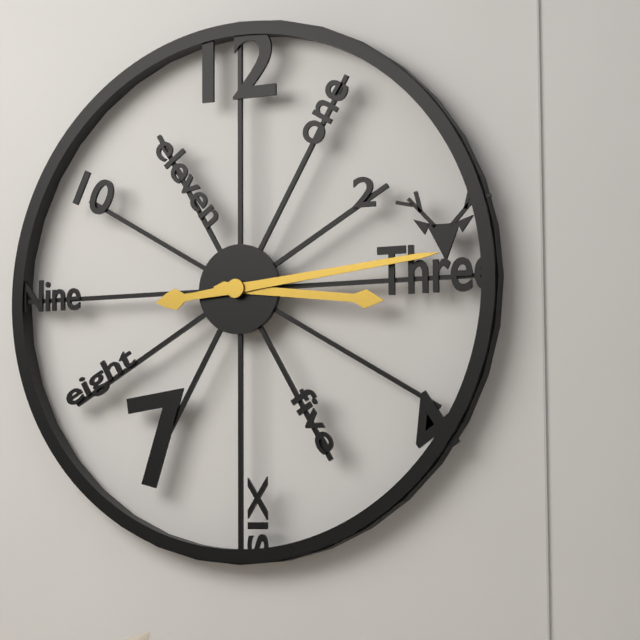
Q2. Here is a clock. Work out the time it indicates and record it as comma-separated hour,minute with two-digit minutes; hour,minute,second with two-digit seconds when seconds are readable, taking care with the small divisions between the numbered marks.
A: 3,14
